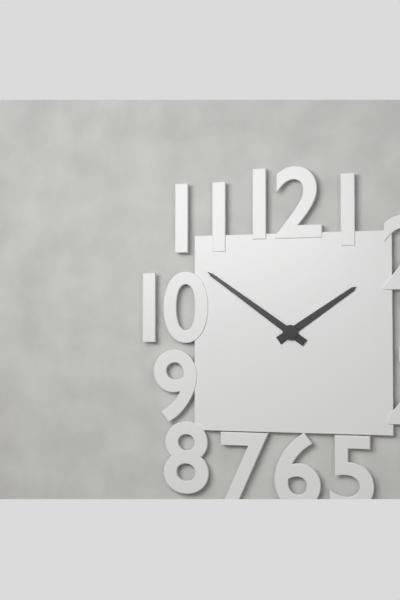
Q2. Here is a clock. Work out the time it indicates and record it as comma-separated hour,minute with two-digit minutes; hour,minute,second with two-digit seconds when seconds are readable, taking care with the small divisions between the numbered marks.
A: 1,51
